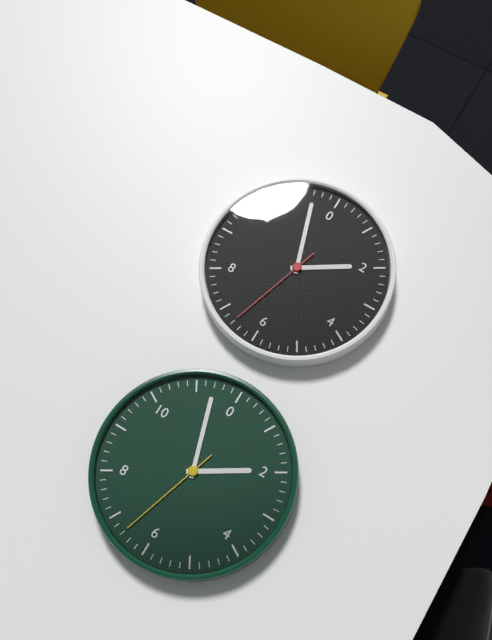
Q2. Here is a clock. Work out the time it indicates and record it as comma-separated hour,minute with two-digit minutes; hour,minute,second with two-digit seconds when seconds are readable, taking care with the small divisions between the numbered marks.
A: 1,57,33
